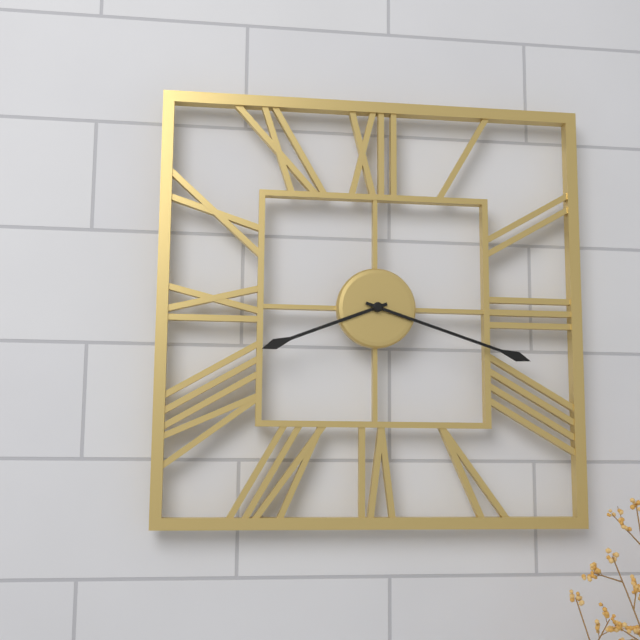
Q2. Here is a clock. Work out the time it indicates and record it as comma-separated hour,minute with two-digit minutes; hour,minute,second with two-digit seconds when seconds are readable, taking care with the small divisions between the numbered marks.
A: 8,18
